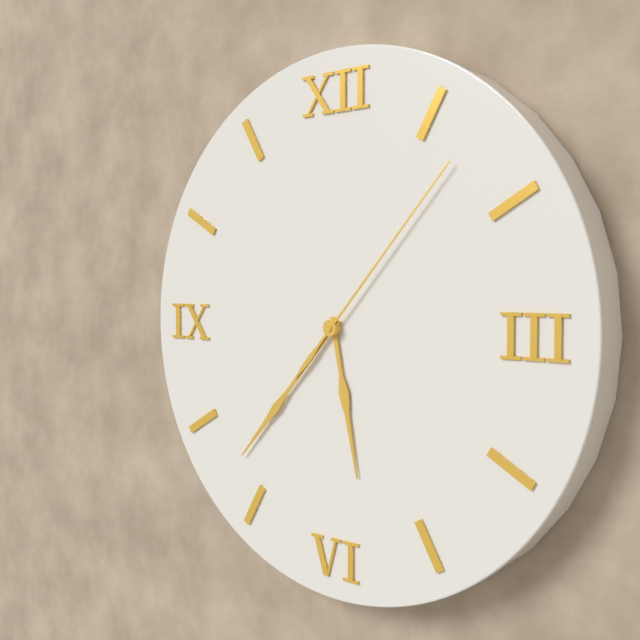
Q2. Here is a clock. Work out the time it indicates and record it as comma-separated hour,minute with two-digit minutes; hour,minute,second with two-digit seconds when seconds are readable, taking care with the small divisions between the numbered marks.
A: 5,37,07
